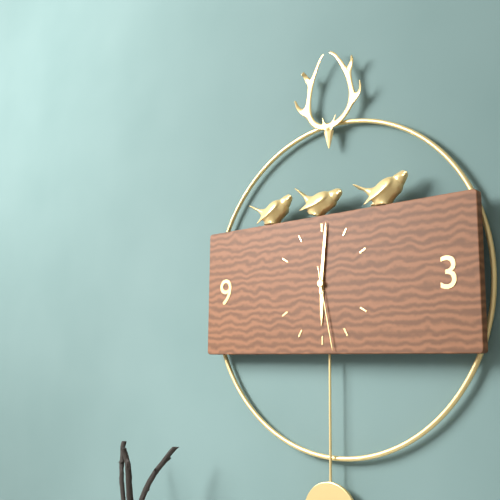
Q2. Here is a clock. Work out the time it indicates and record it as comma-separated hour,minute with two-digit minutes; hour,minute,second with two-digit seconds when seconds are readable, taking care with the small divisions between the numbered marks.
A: 6,01,28
